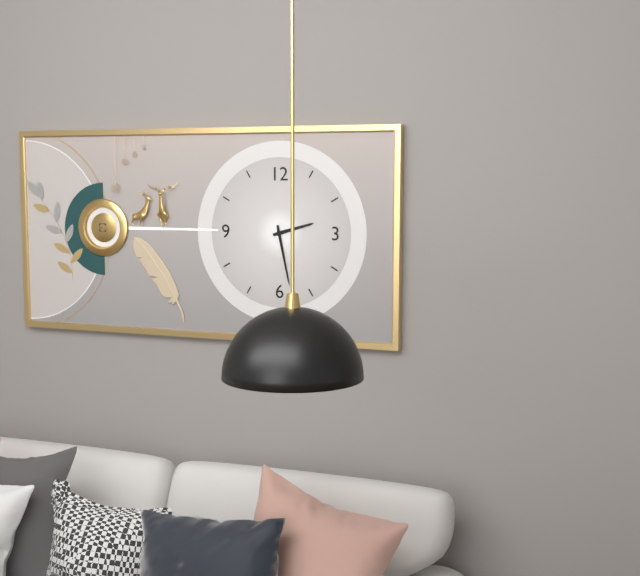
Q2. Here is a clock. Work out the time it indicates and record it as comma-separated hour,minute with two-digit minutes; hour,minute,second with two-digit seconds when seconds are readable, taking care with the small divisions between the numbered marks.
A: 2,28
